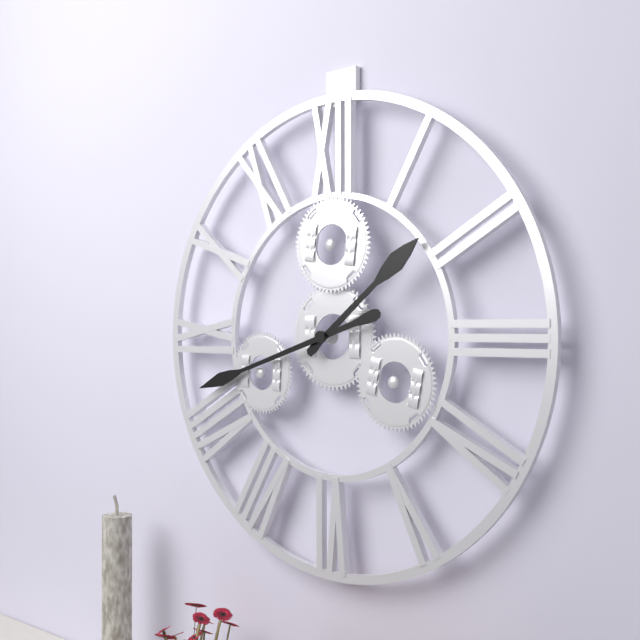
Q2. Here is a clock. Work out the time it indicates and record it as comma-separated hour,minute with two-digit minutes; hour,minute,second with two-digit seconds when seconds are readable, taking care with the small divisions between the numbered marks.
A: 1,42
